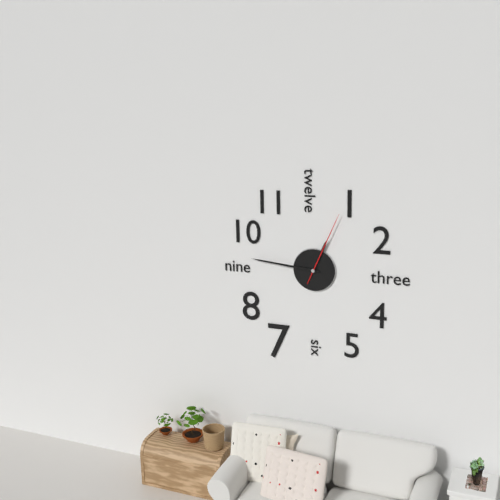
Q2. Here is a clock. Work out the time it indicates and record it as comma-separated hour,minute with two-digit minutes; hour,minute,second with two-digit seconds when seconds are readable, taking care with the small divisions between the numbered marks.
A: 12,46,04
